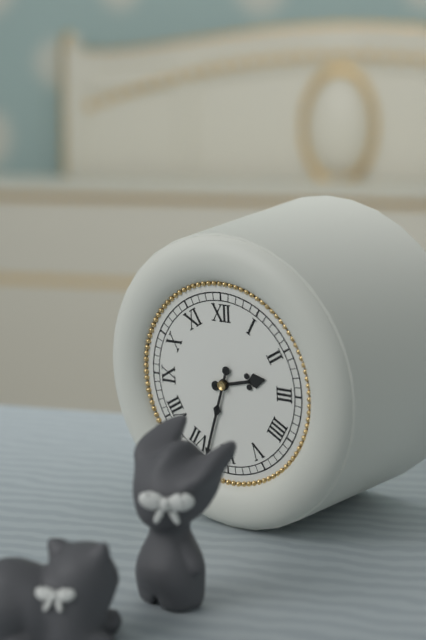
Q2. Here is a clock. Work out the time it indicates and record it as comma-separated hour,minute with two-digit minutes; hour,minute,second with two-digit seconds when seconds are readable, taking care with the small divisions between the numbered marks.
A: 2,33
